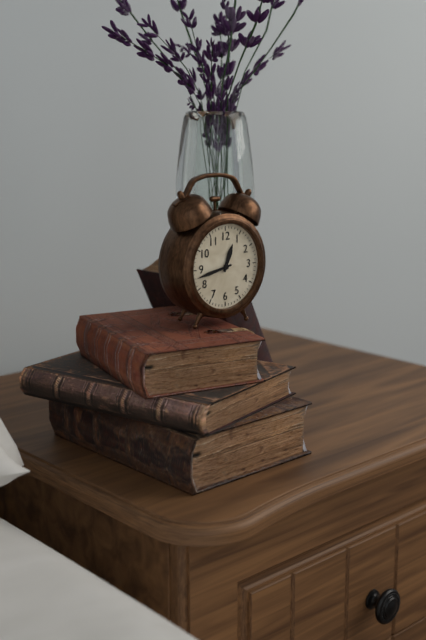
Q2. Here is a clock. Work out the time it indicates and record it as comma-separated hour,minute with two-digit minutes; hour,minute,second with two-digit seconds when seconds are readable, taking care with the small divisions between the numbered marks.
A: 12,43
